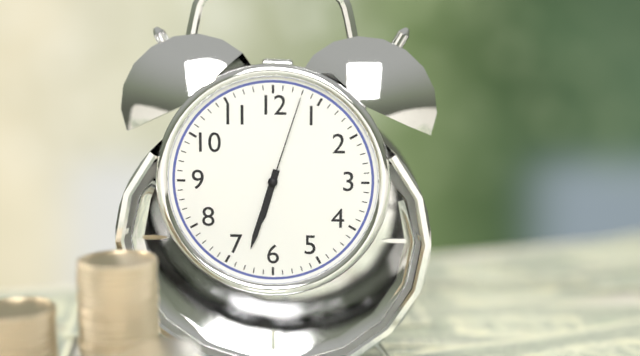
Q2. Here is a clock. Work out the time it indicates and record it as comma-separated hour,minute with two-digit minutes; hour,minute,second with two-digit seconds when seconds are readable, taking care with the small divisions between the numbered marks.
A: 6,33,03
